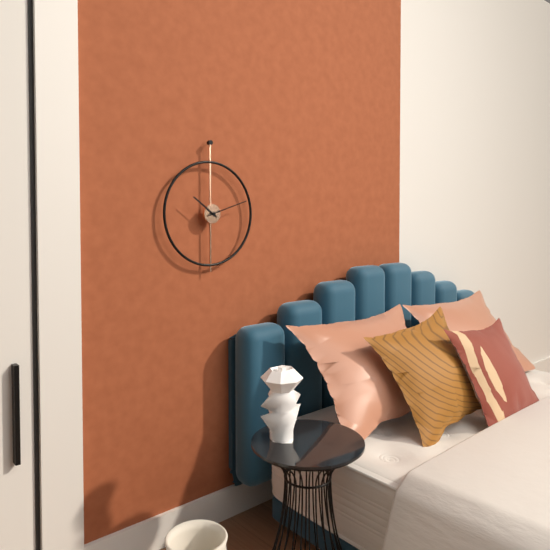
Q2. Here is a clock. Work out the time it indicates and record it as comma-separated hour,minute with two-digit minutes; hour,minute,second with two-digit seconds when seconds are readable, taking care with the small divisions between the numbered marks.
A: 10,12
